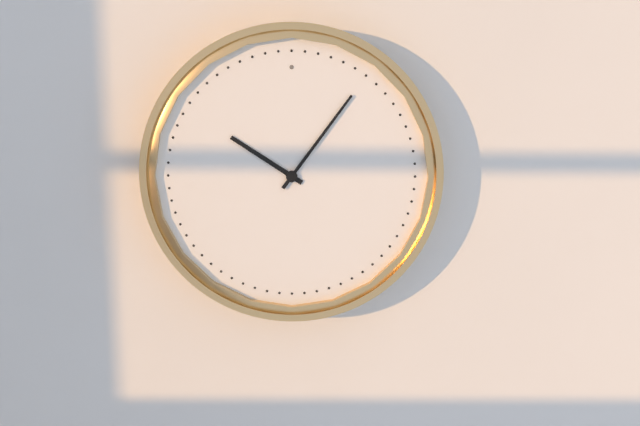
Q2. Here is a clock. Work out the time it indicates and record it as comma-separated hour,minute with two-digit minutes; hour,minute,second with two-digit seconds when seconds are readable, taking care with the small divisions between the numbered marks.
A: 10,06
